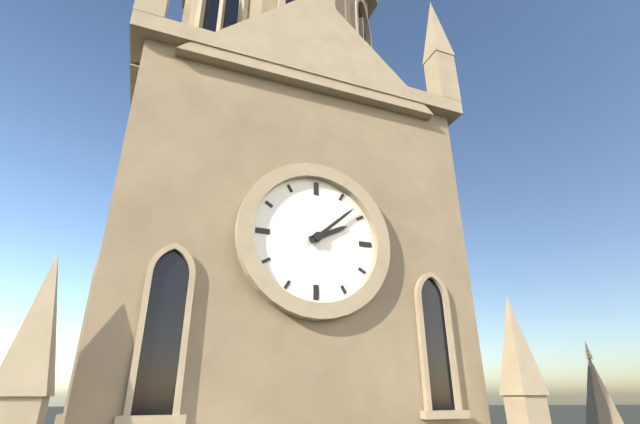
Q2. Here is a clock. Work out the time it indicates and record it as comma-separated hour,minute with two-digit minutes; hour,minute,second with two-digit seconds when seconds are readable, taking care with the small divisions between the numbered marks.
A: 2,08
